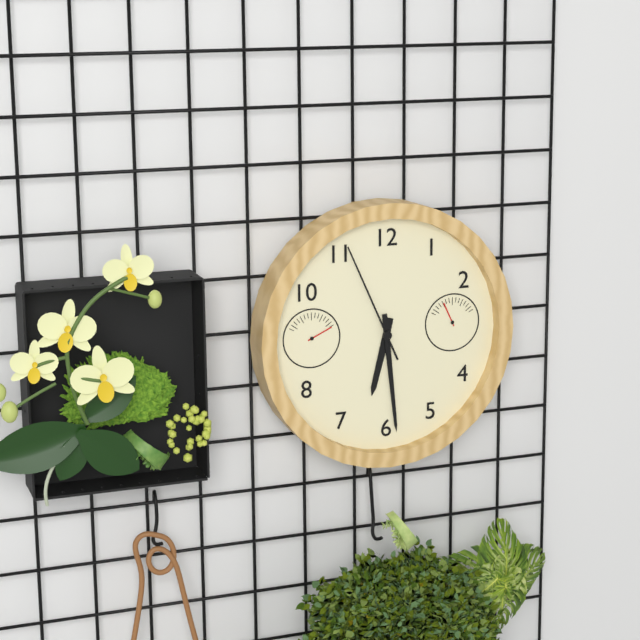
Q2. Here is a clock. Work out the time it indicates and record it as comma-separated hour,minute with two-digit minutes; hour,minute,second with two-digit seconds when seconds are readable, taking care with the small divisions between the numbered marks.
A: 6,29,56
